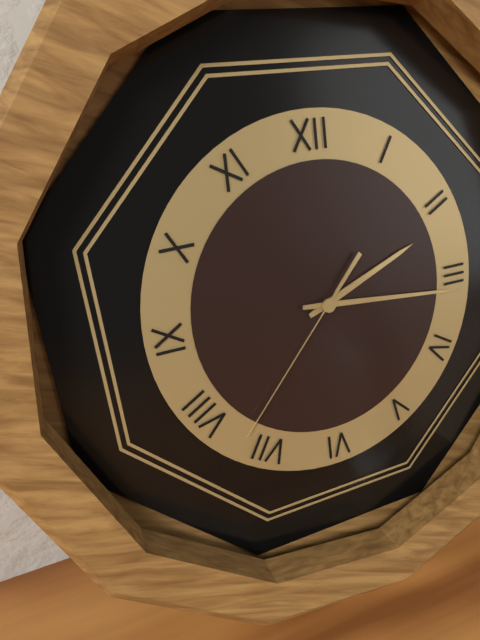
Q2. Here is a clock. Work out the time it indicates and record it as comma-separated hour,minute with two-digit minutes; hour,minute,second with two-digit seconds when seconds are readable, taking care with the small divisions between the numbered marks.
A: 2,16,37
